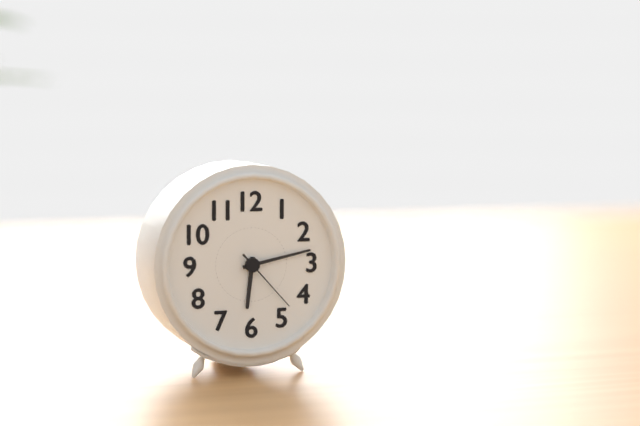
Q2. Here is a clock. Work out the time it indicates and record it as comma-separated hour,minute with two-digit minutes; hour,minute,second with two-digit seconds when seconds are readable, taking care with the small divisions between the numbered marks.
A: 6,13,23
